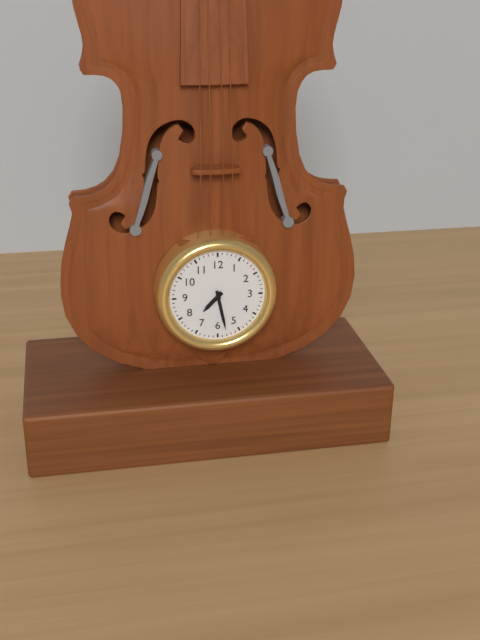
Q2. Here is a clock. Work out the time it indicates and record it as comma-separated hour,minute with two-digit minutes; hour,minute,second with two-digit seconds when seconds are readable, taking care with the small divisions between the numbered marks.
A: 7,28
